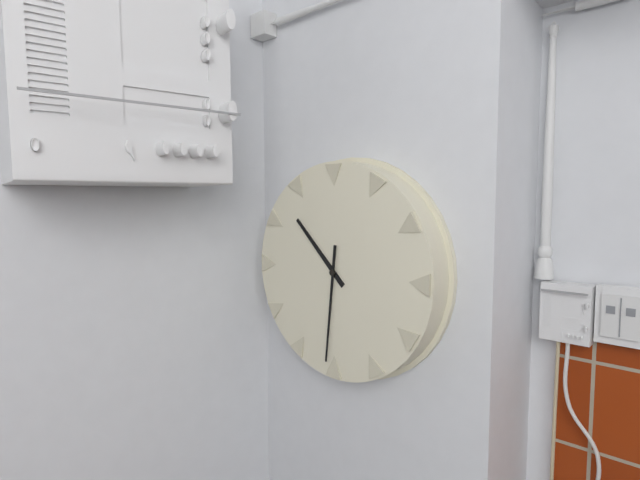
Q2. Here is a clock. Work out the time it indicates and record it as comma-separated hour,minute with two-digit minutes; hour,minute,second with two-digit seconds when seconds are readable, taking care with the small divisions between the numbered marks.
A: 10,31
